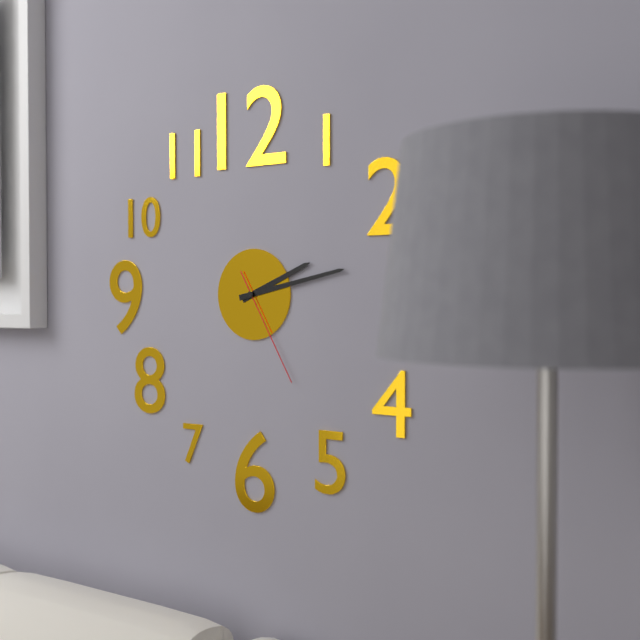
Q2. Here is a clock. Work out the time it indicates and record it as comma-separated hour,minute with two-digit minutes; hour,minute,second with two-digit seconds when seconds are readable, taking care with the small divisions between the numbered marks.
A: 2,13,25
